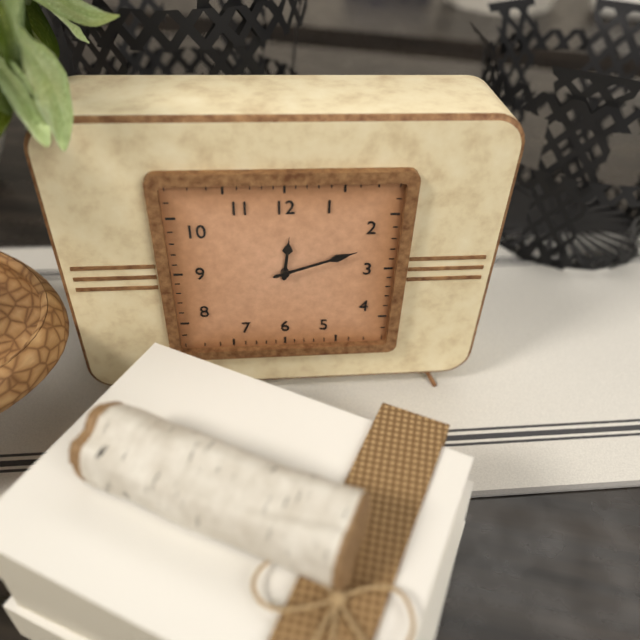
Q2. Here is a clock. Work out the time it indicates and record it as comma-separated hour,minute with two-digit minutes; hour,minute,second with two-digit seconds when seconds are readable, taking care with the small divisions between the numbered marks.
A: 12,12
